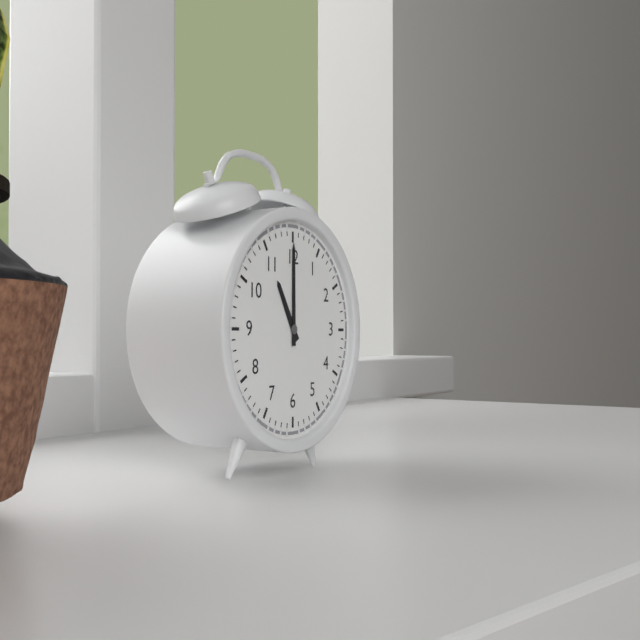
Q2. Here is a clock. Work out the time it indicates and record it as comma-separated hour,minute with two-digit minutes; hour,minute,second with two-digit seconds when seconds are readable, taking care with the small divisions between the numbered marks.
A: 11,00
